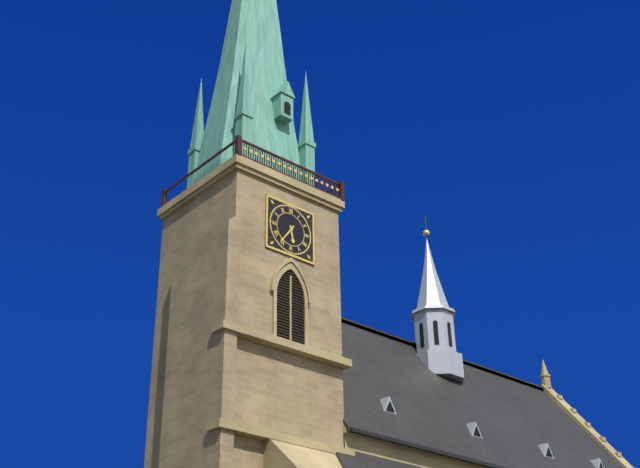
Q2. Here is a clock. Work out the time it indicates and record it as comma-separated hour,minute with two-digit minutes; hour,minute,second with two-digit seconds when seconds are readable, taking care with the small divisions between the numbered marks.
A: 5,36
